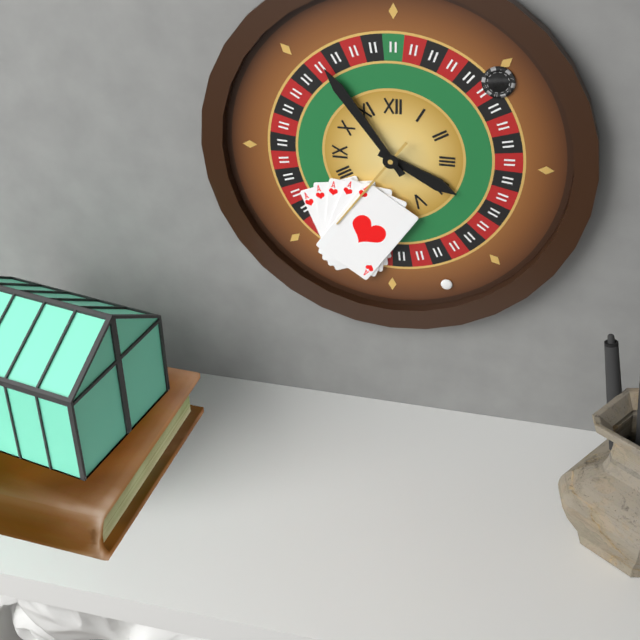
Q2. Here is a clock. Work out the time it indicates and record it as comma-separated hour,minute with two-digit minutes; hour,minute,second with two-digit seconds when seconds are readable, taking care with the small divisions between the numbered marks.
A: 3,54,36
